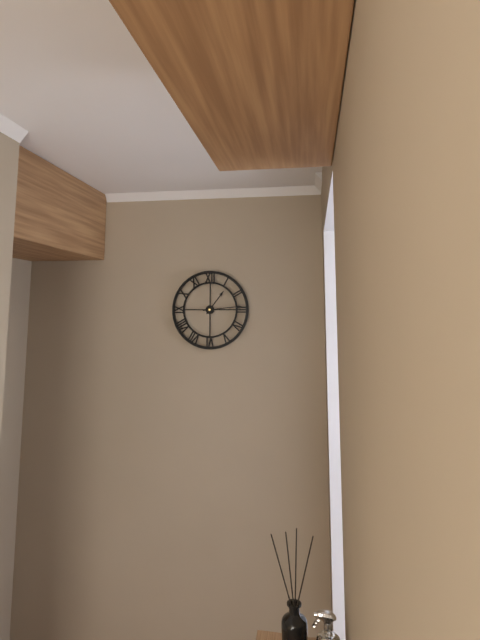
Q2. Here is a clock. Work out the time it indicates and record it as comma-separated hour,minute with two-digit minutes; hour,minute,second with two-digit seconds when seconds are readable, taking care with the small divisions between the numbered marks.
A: 1,14
